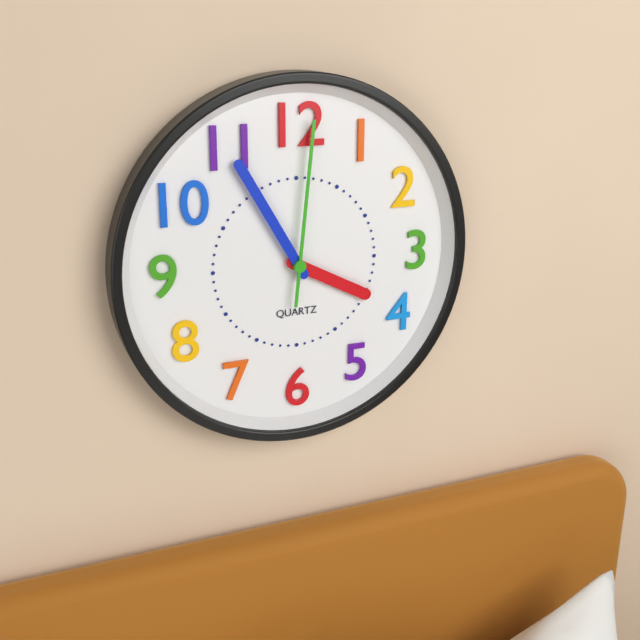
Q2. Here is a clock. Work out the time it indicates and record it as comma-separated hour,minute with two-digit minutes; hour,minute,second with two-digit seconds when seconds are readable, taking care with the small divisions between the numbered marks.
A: 3,55,01
